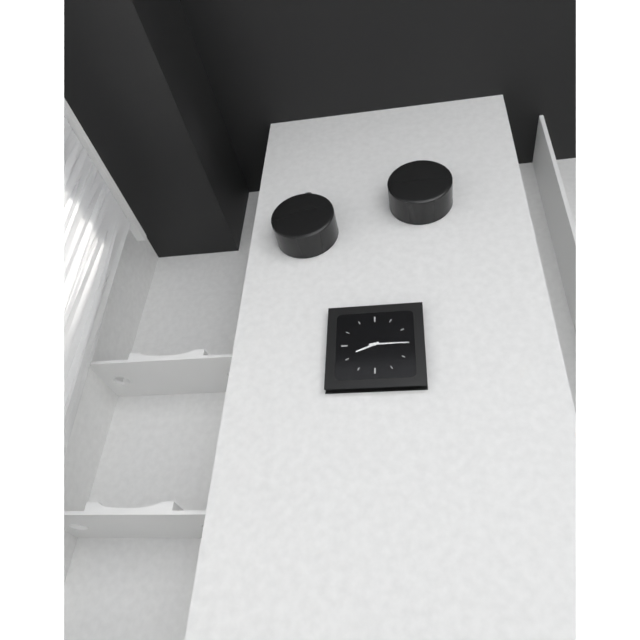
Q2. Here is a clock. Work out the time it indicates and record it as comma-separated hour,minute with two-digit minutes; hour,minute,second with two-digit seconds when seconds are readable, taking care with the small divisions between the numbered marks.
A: 8,15
